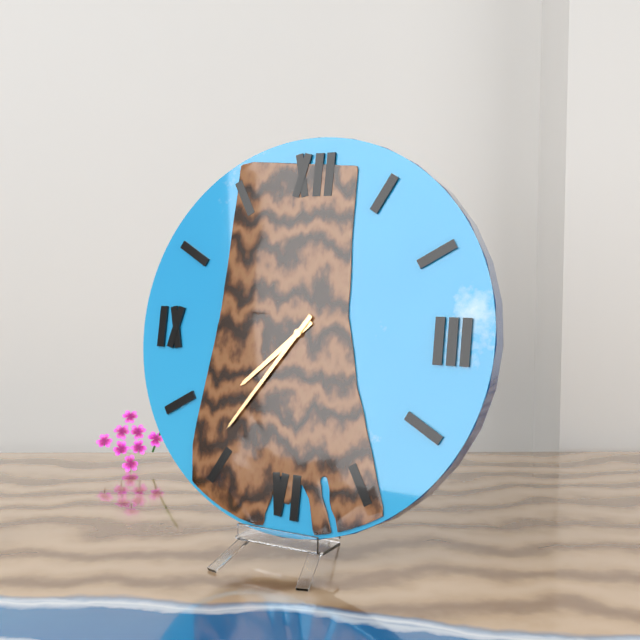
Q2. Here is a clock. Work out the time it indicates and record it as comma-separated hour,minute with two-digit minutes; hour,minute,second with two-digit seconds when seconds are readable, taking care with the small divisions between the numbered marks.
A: 7,36
